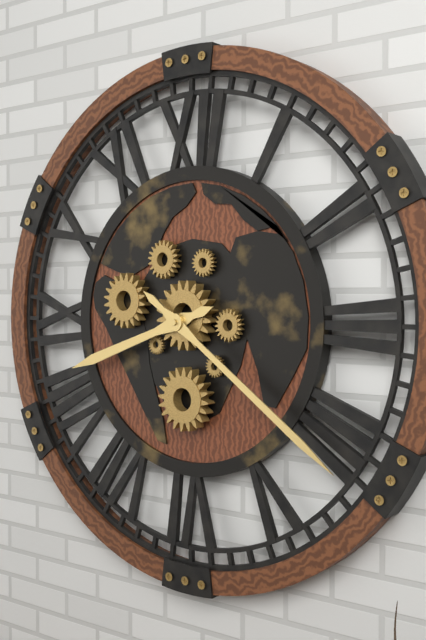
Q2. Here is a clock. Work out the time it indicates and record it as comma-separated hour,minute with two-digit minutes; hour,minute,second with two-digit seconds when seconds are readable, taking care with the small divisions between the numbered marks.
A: 8,21
